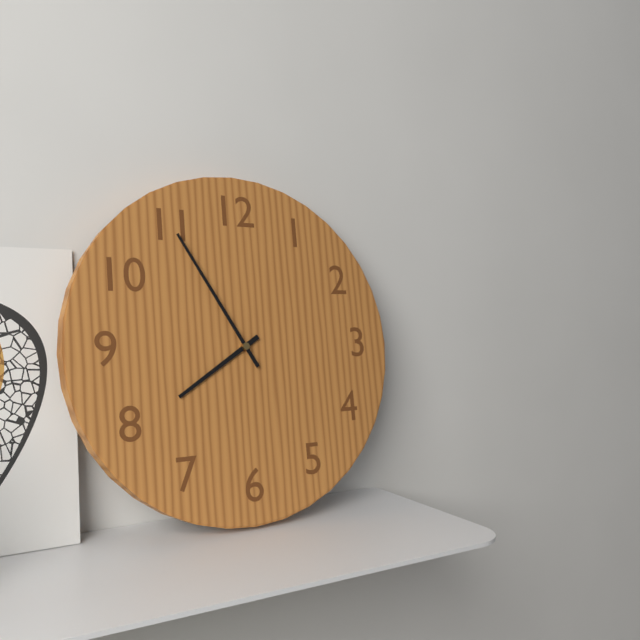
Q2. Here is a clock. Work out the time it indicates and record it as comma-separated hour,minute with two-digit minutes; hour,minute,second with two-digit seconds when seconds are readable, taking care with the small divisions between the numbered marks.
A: 7,55
